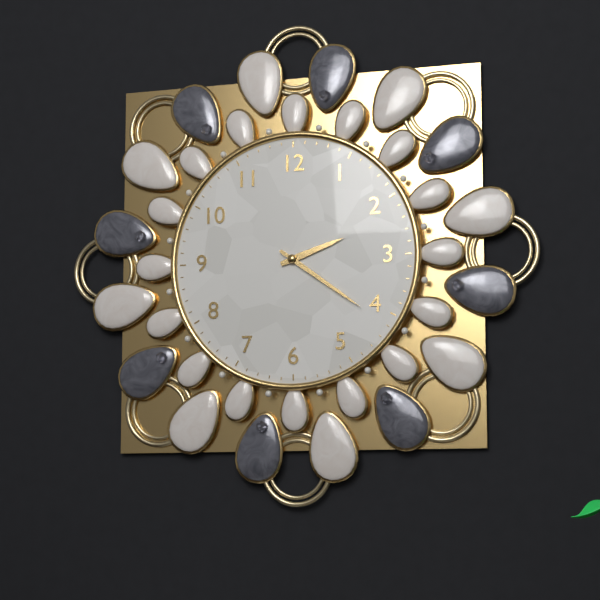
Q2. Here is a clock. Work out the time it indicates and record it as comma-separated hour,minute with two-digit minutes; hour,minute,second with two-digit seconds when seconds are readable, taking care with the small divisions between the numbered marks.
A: 2,21
